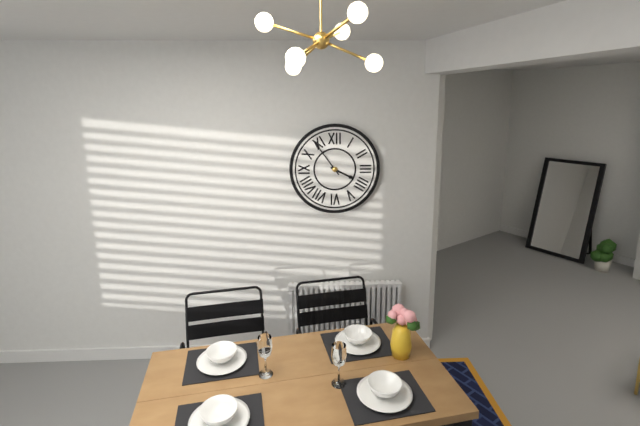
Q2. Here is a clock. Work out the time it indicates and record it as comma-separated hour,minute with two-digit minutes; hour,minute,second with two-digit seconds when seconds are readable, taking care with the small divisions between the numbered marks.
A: 3,54
